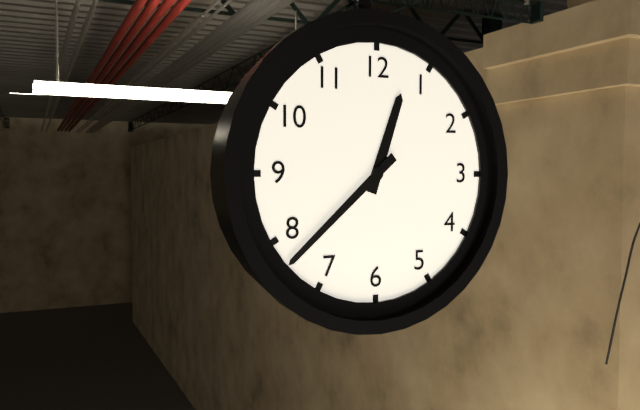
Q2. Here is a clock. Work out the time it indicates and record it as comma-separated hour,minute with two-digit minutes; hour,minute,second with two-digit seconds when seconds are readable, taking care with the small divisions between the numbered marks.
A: 12,38
